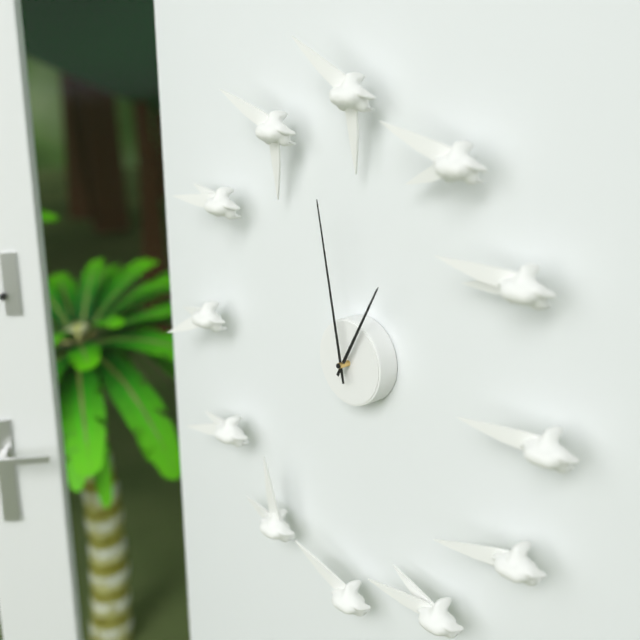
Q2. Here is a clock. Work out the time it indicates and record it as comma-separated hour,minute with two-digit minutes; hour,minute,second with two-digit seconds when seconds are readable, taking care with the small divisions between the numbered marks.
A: 12,58
